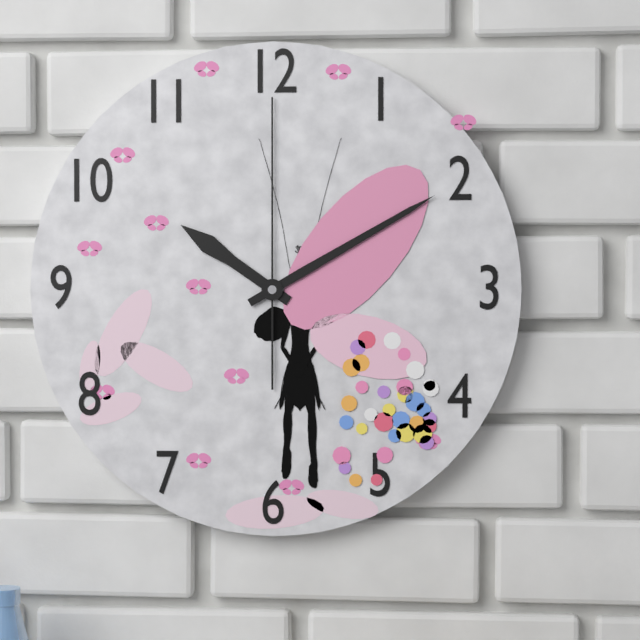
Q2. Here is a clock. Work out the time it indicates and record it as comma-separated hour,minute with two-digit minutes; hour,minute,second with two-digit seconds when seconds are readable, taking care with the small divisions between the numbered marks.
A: 10,10,00
